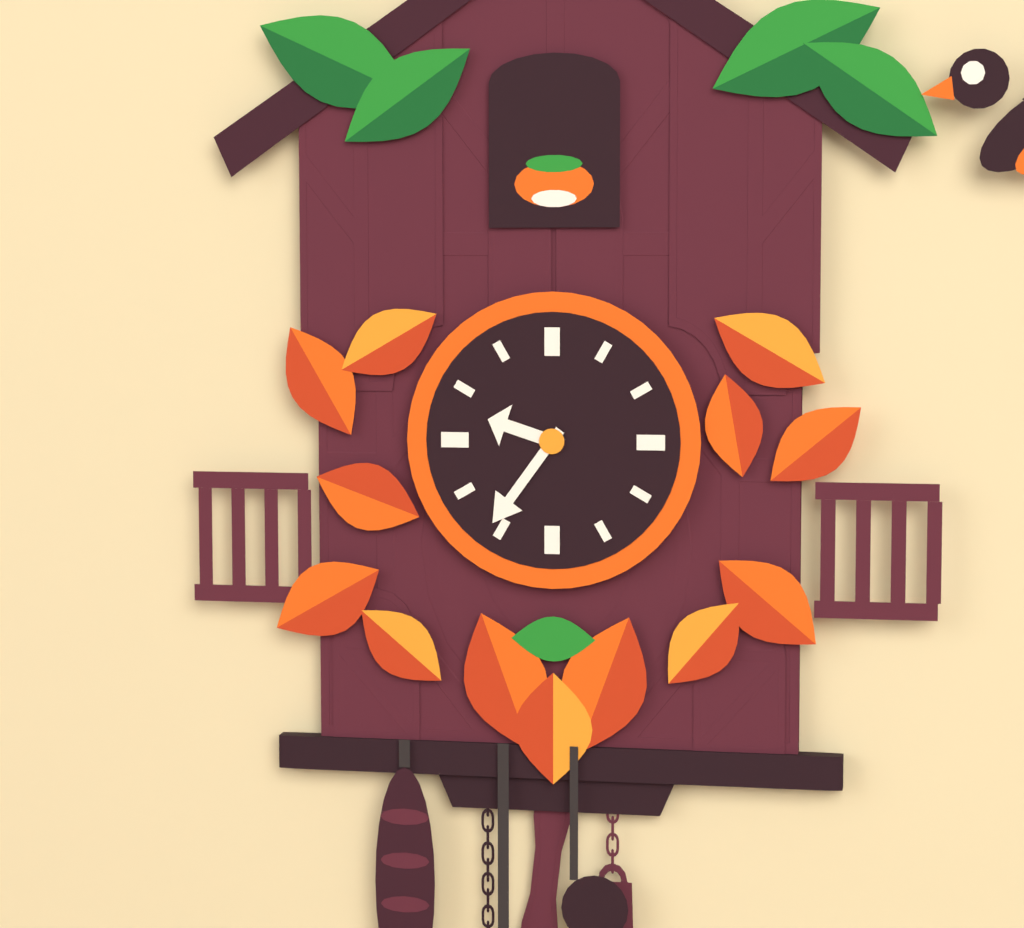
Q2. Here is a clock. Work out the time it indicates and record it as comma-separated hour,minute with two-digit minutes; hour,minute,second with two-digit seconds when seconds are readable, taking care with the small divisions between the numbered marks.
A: 9,36
